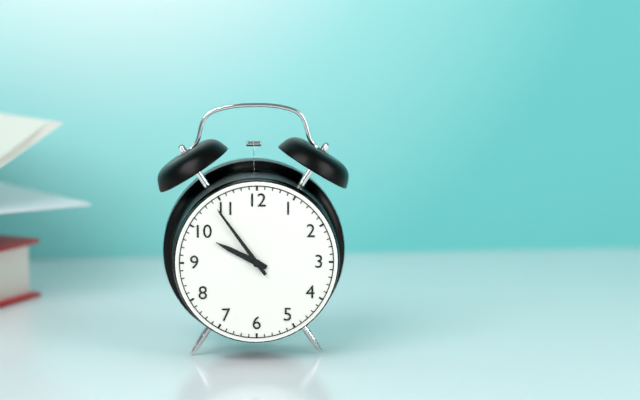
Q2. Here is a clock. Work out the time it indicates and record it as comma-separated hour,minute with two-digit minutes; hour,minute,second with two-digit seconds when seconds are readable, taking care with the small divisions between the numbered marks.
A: 9,54
